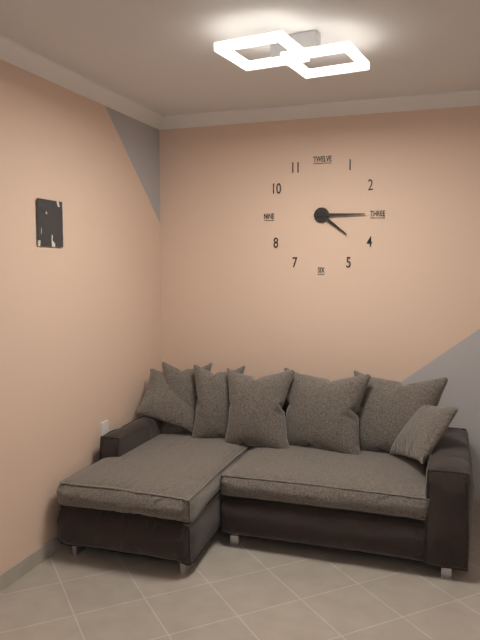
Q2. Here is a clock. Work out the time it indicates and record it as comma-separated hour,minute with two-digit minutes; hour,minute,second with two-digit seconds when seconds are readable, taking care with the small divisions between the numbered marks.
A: 4,15
